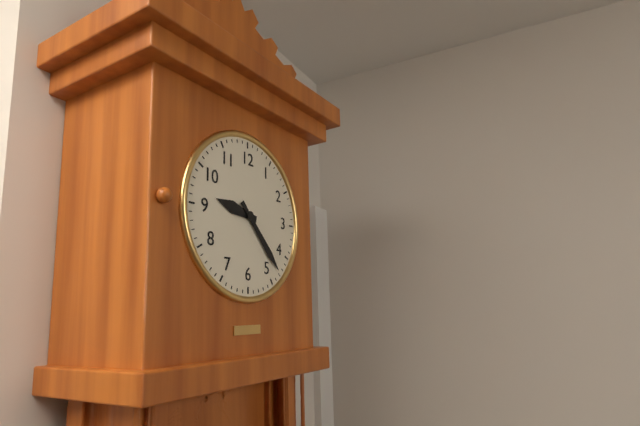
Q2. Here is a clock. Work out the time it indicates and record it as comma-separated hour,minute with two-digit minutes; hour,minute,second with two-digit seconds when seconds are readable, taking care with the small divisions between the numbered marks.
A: 9,23
